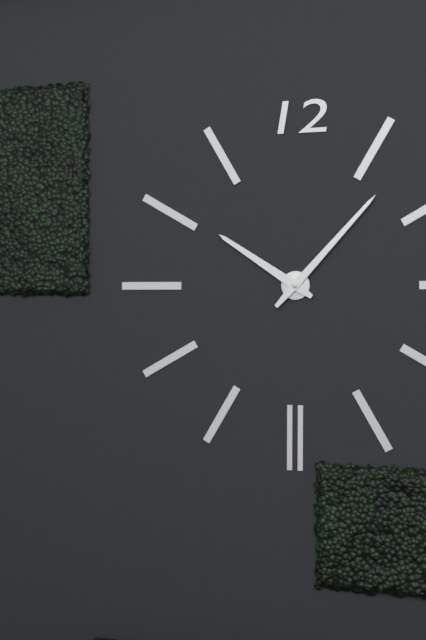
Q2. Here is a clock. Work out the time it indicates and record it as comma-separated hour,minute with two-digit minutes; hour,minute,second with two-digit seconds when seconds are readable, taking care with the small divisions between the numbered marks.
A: 10,07
